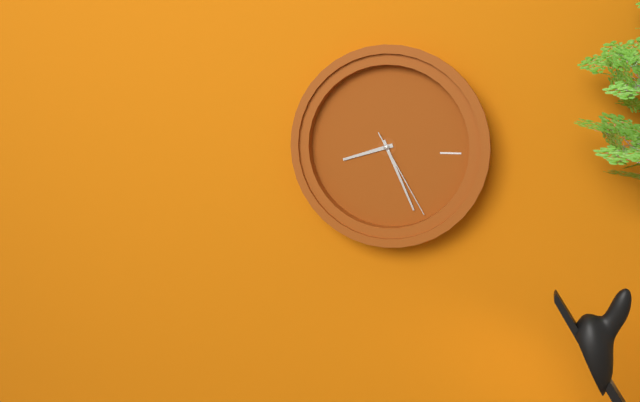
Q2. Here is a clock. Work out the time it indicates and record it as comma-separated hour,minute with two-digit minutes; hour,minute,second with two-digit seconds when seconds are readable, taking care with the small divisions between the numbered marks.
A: 8,26,25
